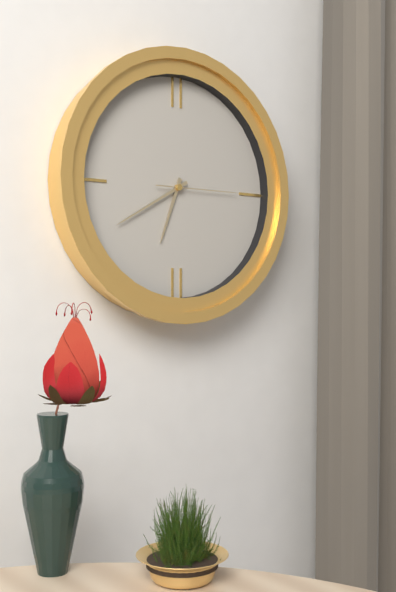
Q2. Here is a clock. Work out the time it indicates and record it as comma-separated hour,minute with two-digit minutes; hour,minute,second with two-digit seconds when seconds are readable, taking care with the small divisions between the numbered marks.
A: 6,40,15
